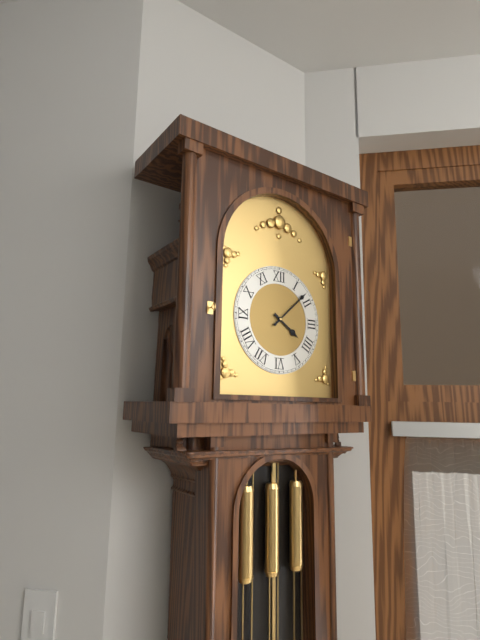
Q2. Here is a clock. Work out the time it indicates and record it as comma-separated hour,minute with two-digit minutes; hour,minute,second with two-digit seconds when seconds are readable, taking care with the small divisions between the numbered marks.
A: 4,08
